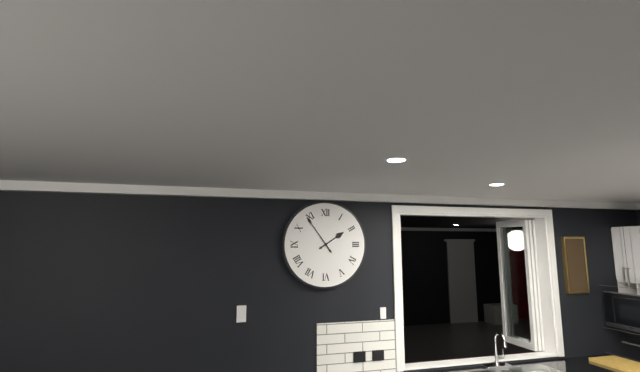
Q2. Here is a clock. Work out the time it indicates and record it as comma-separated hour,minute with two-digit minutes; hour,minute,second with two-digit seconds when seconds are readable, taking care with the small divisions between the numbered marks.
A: 1,54
